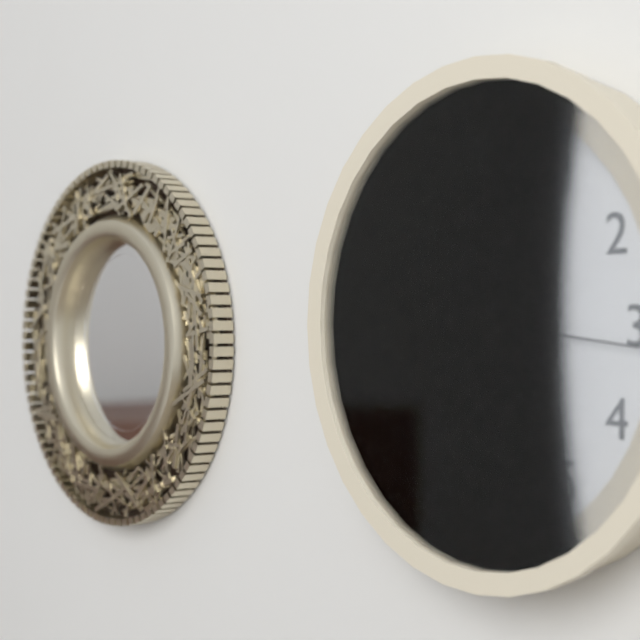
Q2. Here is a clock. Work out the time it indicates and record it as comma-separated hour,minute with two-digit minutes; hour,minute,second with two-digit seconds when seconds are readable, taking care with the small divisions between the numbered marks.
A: 11,57
